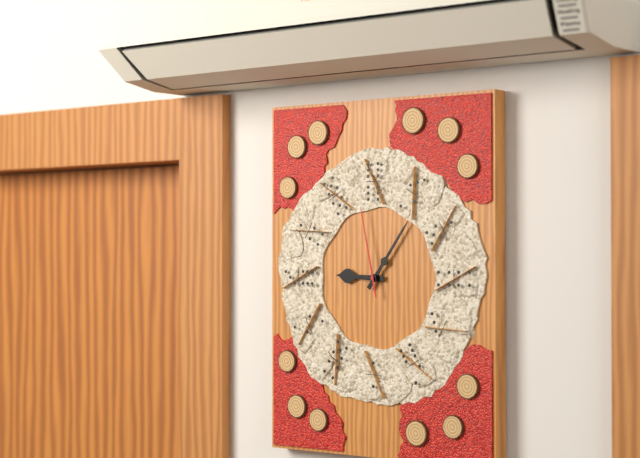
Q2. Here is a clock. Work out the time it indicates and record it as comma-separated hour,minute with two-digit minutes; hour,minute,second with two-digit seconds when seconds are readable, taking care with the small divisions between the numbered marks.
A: 9,06,58
